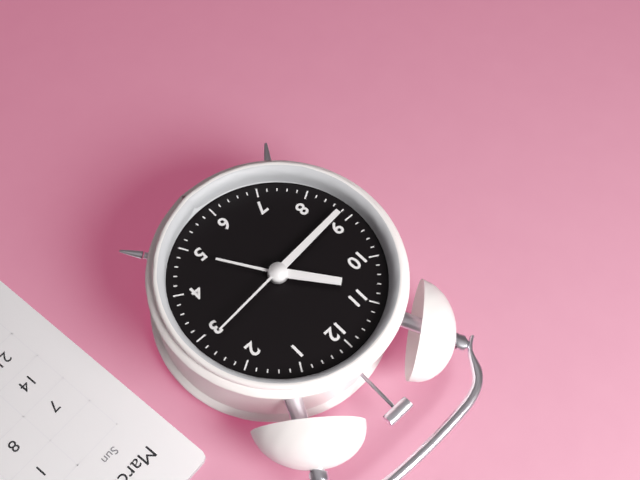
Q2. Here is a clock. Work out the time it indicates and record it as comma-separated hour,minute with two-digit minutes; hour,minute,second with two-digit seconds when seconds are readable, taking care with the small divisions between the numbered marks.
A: 10,44,14
